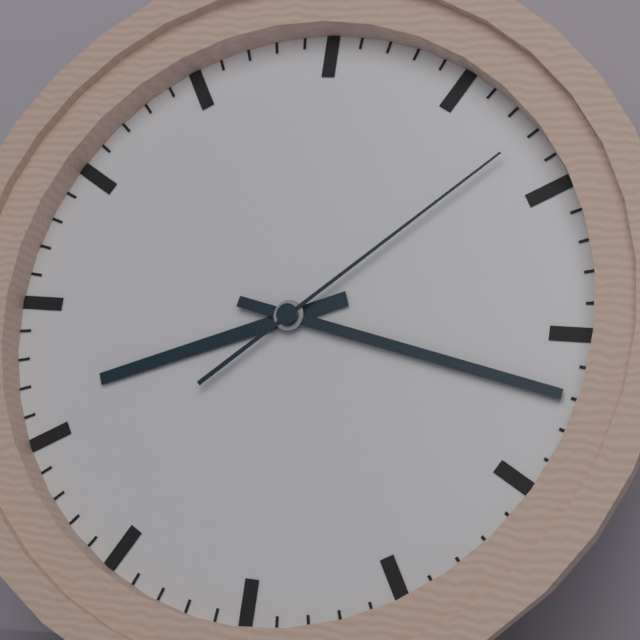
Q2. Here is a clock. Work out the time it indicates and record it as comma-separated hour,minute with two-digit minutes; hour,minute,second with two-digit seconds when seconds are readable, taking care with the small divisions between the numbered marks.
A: 8,17,08
